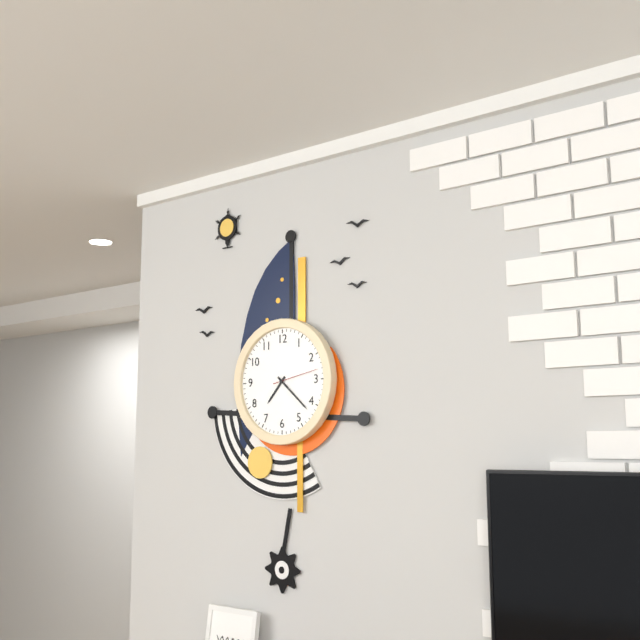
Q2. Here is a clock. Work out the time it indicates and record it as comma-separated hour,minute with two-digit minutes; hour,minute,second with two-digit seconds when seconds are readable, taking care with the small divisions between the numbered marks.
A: 7,22
